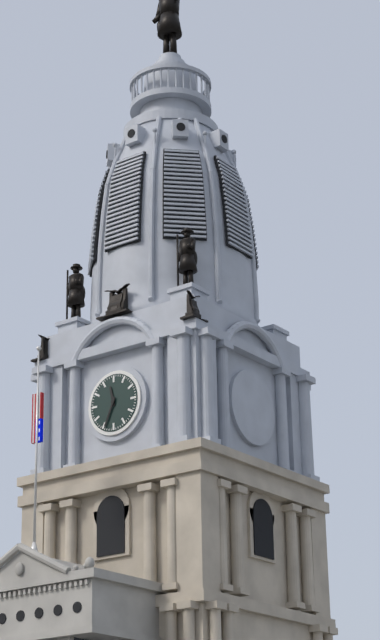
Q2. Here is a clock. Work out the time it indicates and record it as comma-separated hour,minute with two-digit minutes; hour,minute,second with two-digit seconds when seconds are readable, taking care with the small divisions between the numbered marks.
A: 11,34
